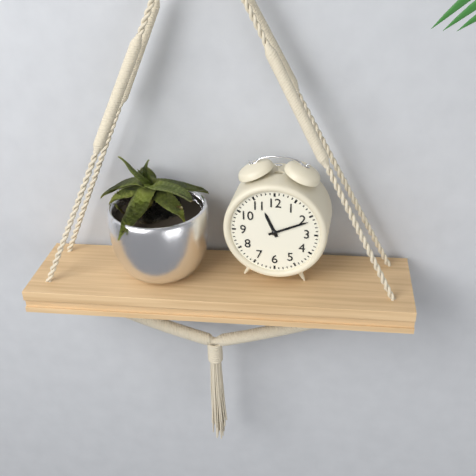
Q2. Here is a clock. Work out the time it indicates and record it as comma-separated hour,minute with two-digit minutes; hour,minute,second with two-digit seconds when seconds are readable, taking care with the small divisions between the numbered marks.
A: 11,11
